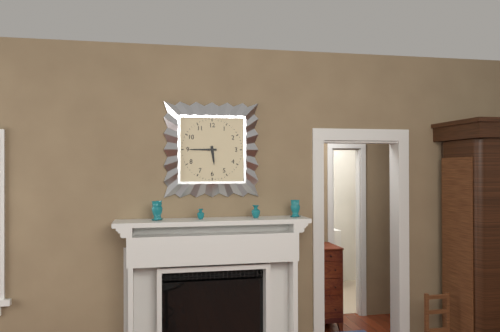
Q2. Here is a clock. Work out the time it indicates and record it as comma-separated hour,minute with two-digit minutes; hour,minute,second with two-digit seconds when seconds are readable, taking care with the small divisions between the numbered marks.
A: 5,45
